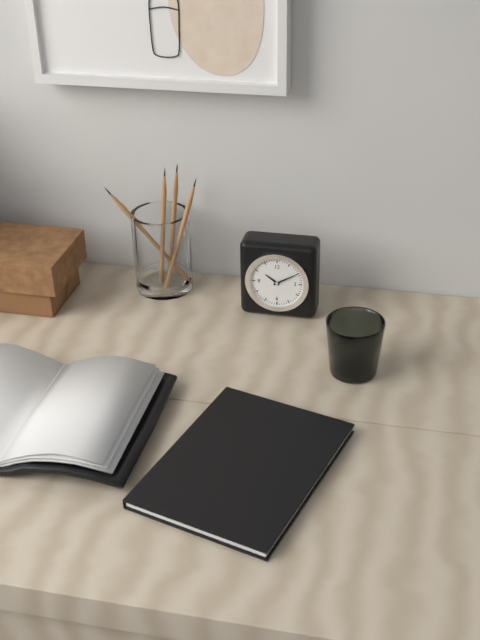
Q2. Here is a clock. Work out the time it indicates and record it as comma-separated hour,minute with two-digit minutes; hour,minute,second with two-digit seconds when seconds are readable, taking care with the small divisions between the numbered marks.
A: 10,10
